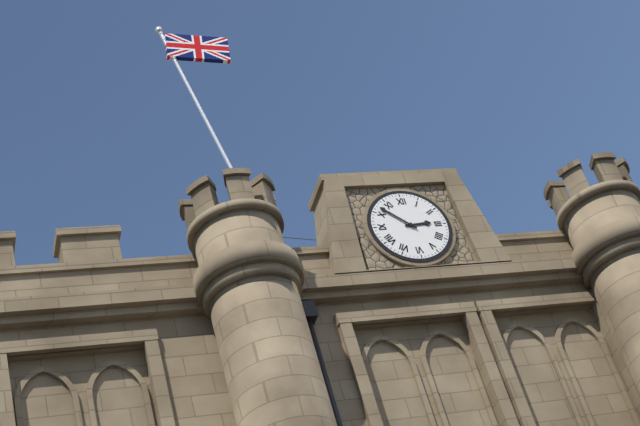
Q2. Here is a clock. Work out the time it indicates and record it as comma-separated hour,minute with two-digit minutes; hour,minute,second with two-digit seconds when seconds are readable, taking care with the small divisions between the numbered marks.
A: 2,52
